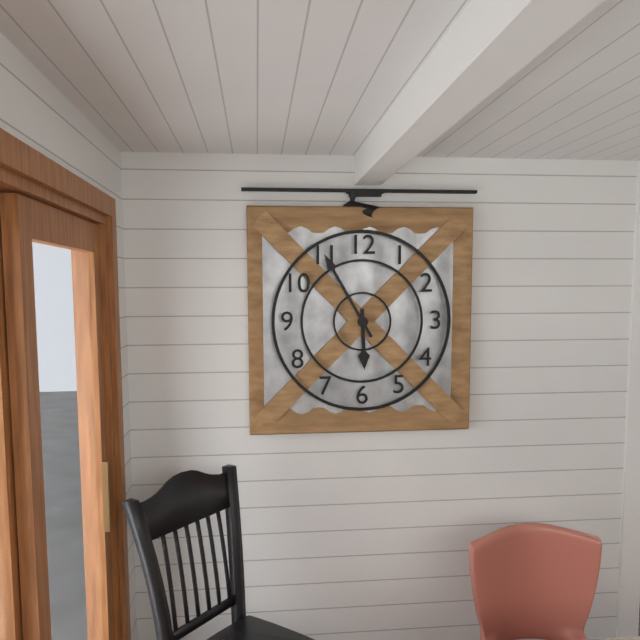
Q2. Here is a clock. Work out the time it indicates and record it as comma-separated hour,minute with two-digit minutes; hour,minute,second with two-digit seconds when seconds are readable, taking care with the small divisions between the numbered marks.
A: 5,55
